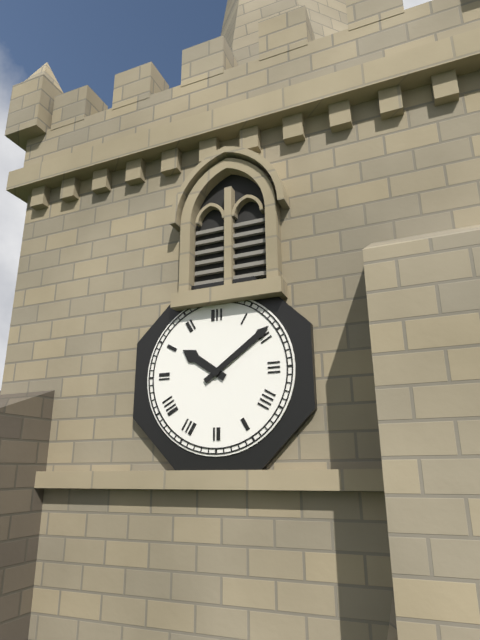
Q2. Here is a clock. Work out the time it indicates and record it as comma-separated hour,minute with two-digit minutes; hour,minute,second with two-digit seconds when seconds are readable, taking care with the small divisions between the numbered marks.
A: 10,09
